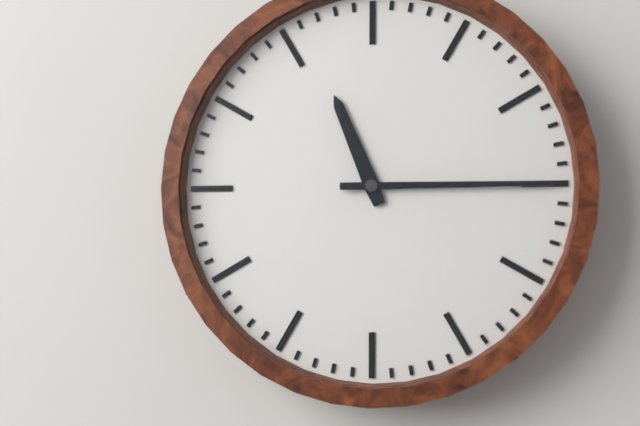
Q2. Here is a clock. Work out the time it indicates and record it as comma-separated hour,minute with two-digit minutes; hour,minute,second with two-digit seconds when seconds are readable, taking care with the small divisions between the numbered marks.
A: 11,15
